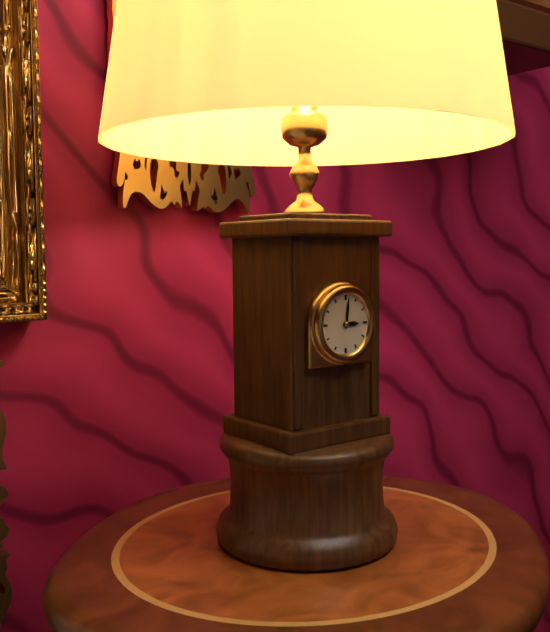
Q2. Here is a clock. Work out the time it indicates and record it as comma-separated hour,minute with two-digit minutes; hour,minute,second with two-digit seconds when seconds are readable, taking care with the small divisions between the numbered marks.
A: 3,01
